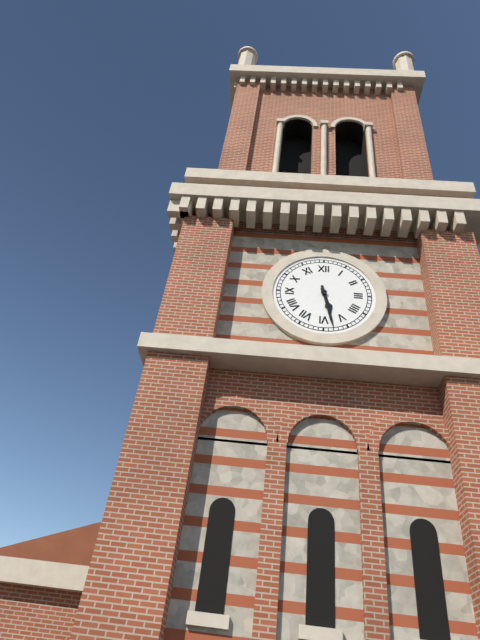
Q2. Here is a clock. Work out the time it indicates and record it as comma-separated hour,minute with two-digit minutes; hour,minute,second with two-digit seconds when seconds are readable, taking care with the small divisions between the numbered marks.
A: 5,28
